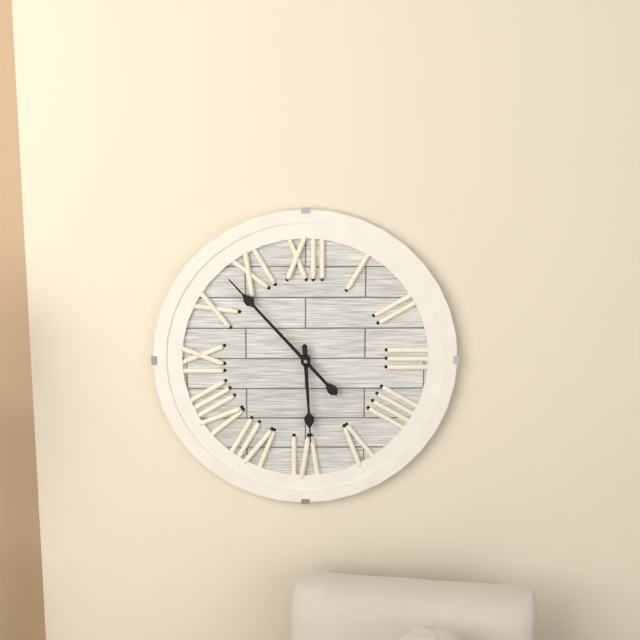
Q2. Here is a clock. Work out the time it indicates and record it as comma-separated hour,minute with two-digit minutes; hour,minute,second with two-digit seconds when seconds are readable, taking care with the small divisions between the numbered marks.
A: 5,53
